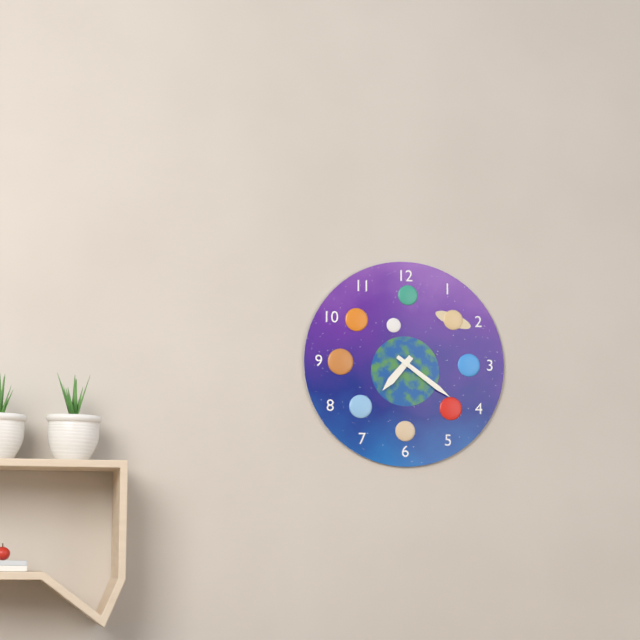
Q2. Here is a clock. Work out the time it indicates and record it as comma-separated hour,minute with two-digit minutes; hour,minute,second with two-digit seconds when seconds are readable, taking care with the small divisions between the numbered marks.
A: 7,21
